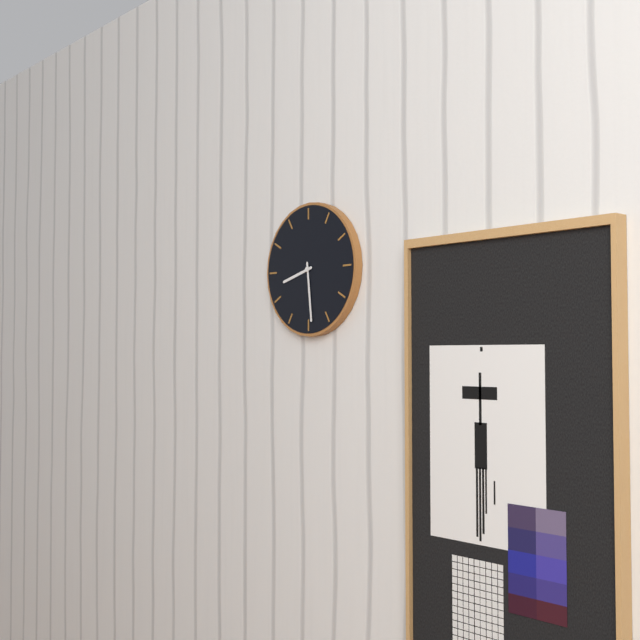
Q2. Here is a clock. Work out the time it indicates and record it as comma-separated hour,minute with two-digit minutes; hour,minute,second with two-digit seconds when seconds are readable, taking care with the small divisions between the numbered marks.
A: 8,29
